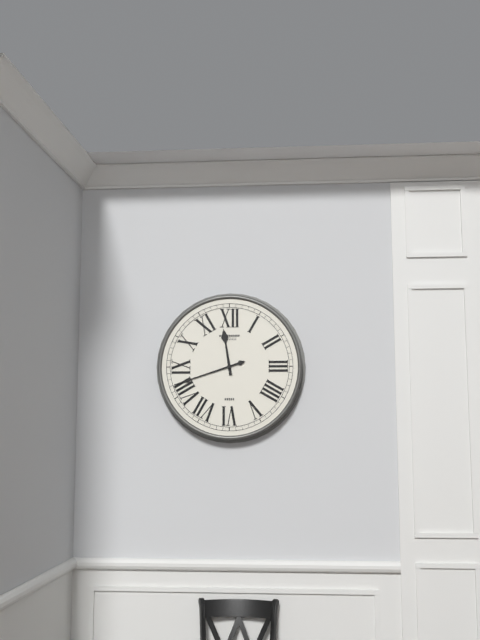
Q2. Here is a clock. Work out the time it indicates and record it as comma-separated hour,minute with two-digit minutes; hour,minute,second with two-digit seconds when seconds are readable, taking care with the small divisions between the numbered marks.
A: 11,42
